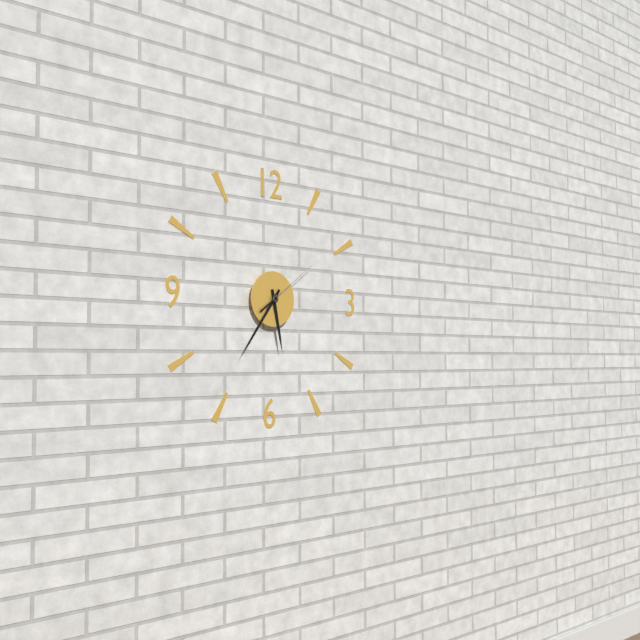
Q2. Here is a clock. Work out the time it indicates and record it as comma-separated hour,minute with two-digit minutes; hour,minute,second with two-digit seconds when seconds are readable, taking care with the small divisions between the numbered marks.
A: 5,36,09
